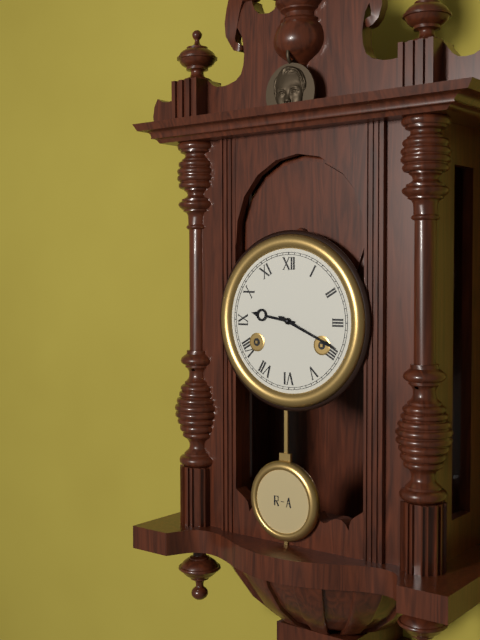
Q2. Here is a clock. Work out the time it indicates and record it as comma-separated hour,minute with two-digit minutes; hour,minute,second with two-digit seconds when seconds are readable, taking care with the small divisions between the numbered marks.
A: 9,19
